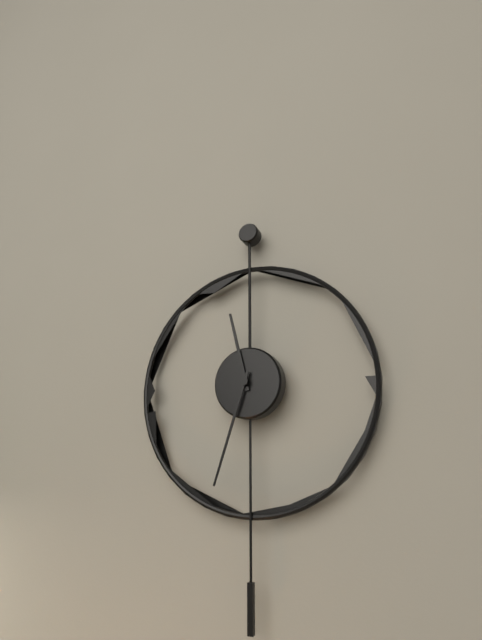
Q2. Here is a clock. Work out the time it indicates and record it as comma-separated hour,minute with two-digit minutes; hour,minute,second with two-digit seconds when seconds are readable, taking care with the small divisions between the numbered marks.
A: 11,33
